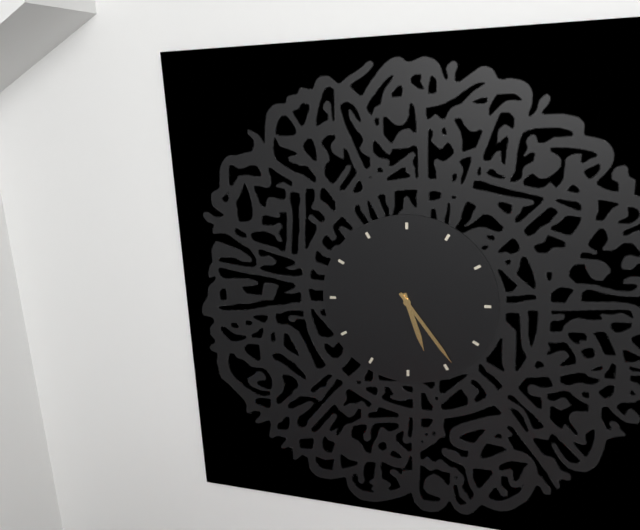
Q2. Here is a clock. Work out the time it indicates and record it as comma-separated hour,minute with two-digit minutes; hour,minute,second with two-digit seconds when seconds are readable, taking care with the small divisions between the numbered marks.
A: 5,24
